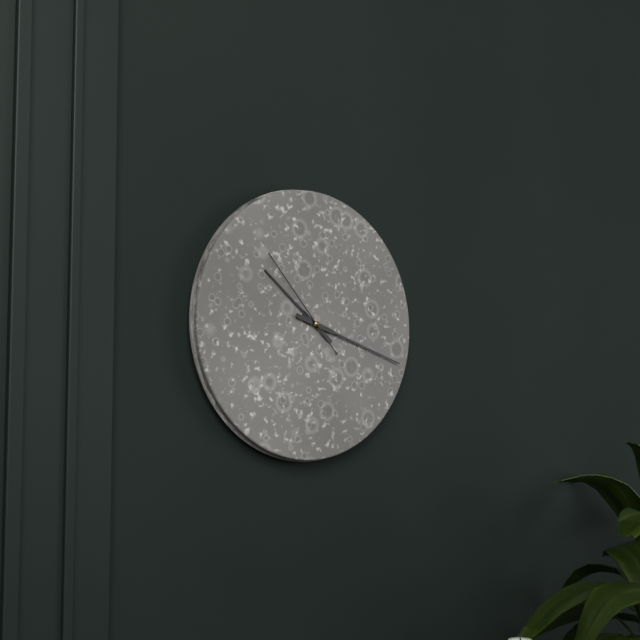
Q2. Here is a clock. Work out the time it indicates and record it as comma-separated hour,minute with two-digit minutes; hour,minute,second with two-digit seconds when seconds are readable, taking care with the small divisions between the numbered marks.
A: 10,18,53
